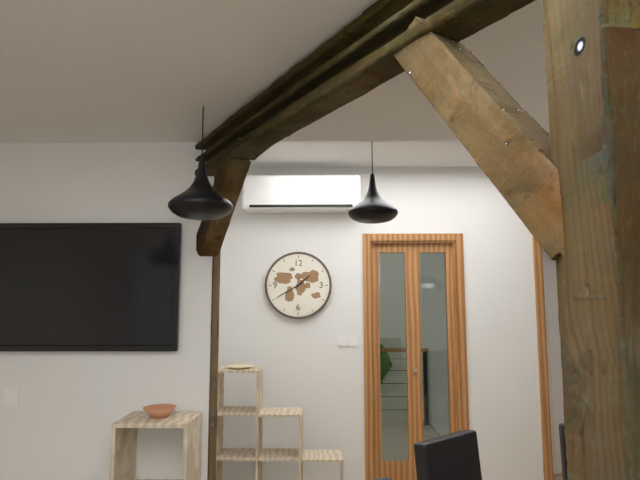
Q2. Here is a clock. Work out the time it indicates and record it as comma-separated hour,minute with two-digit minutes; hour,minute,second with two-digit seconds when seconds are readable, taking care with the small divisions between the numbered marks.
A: 1,40
